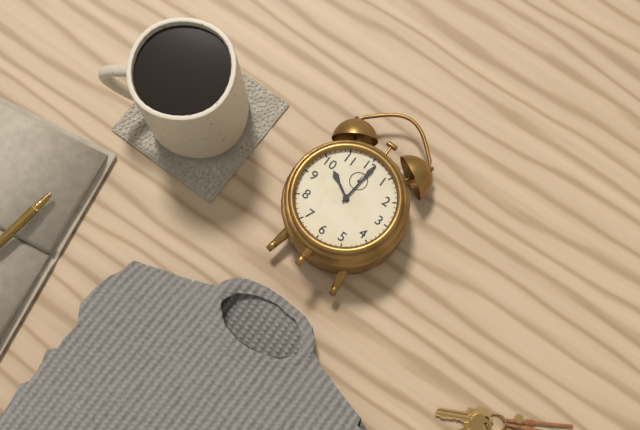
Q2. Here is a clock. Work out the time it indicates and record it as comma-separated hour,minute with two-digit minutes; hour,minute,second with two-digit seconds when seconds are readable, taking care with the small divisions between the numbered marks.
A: 10,01
